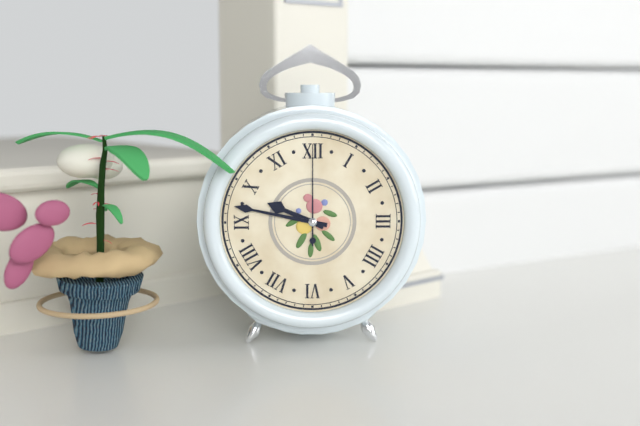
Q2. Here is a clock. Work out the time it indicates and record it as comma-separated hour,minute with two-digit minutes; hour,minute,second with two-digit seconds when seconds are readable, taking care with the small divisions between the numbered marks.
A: 9,47,00
